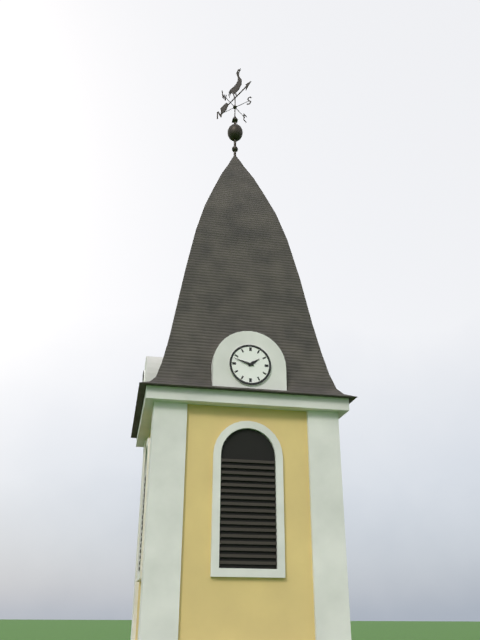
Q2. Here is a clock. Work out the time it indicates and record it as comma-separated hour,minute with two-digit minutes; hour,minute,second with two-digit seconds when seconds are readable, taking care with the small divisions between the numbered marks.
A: 1,48
